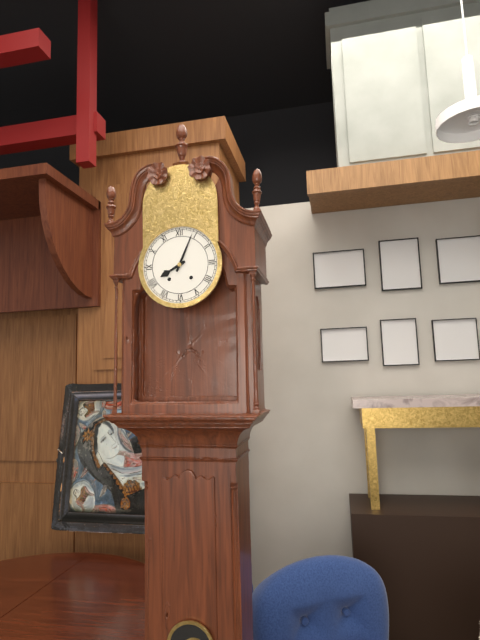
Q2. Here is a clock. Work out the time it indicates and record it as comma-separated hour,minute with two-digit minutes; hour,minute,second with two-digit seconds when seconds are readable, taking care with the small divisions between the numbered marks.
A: 8,04
